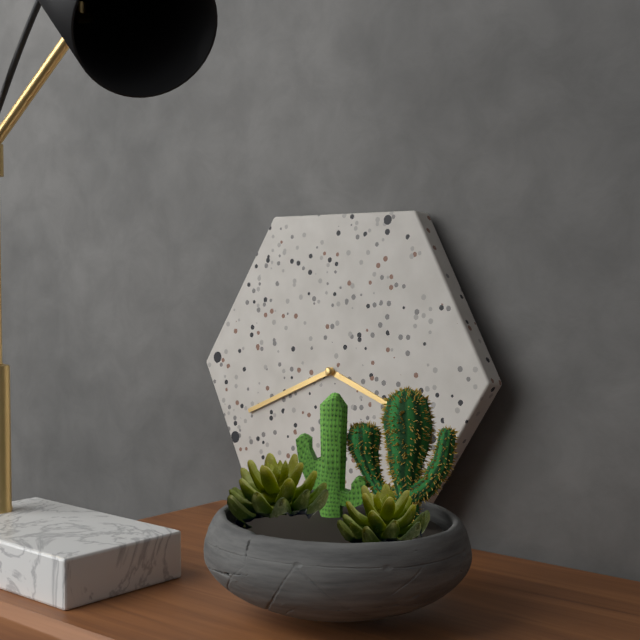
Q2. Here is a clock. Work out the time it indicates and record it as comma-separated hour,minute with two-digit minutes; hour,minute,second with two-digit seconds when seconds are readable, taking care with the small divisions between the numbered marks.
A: 3,41
